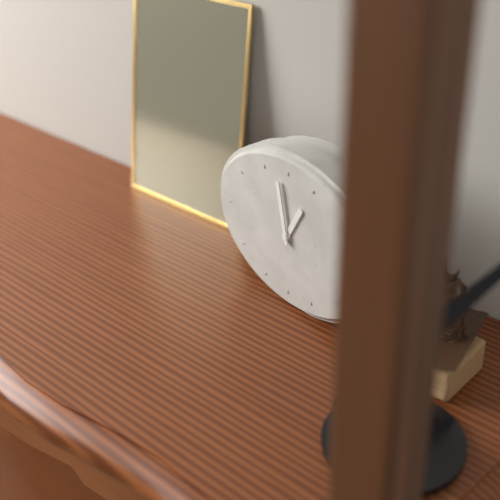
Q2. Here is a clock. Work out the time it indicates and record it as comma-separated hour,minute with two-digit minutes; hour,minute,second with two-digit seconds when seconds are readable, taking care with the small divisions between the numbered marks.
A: 12,58
